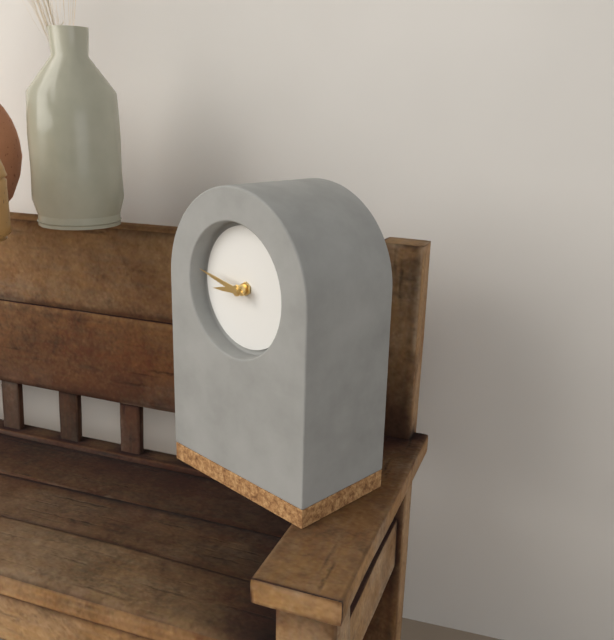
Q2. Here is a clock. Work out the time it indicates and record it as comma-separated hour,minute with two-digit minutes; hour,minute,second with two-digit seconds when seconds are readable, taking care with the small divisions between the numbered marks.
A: 8,47
